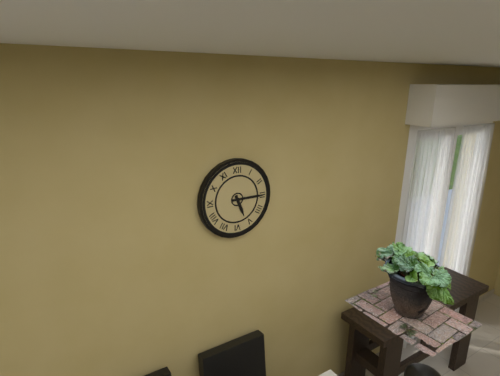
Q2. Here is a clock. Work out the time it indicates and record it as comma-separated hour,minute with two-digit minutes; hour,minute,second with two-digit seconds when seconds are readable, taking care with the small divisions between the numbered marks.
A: 5,15
